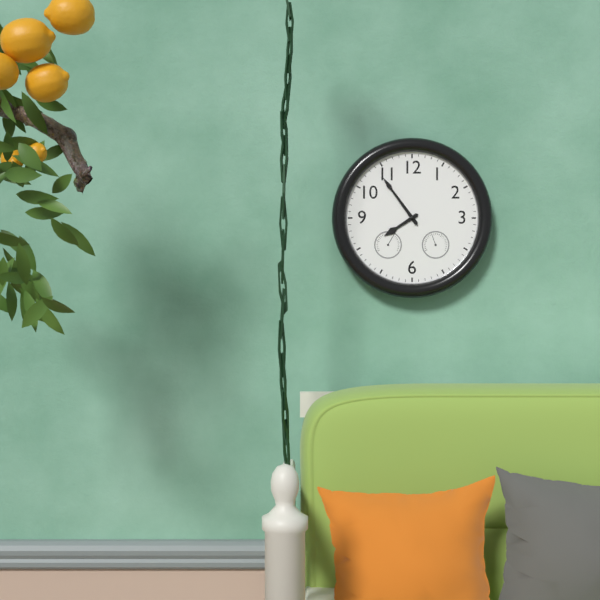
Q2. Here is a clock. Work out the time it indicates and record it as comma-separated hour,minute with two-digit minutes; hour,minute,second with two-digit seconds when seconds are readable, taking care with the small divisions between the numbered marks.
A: 7,54
